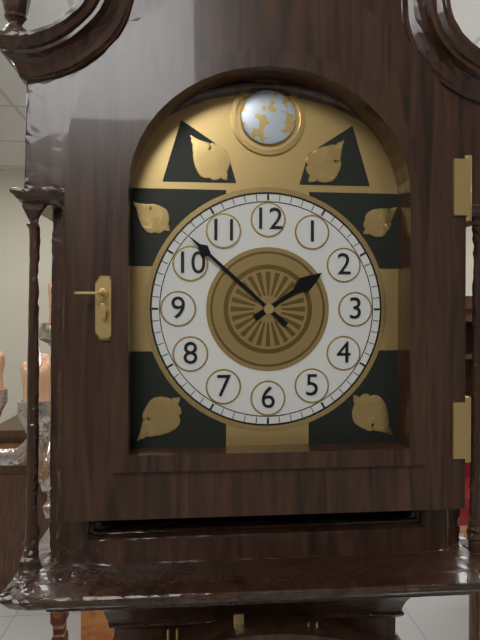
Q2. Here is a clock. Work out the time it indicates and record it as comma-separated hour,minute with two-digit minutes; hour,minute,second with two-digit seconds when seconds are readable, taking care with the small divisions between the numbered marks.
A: 1,52
